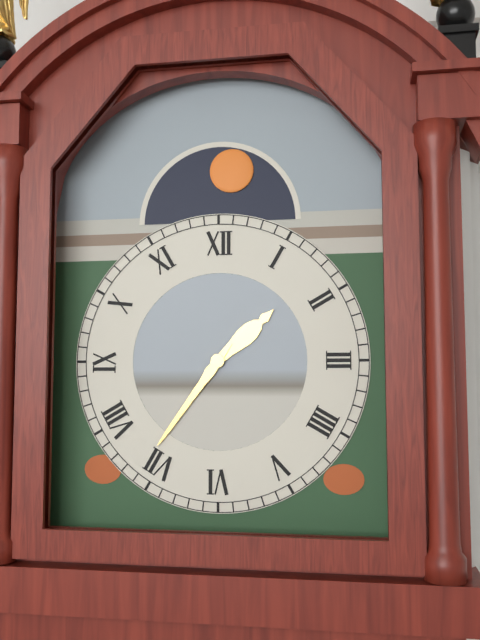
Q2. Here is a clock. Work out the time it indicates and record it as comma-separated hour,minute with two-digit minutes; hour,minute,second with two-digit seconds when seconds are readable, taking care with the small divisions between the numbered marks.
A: 1,36
